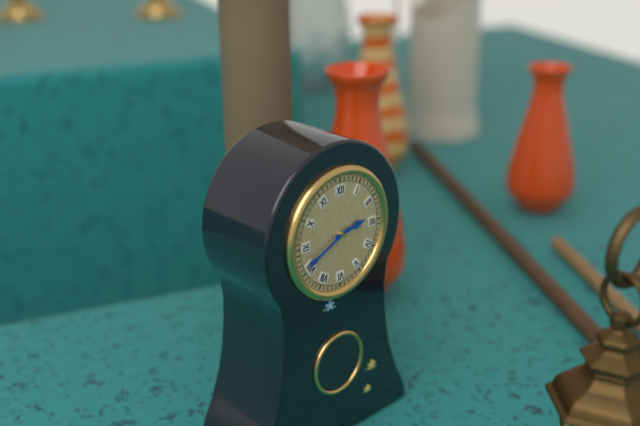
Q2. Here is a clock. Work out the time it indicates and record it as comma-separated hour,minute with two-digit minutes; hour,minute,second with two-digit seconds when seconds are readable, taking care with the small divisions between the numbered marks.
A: 2,41
